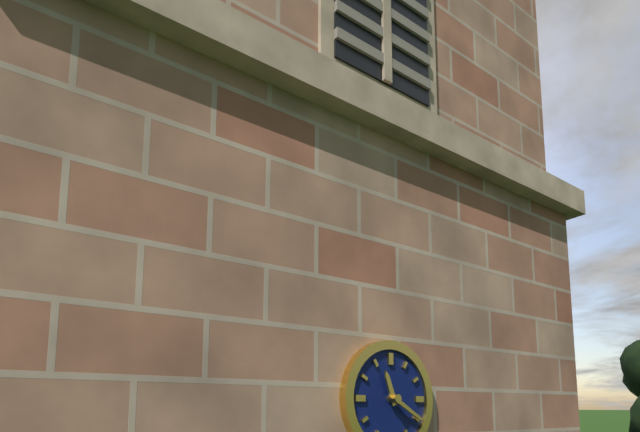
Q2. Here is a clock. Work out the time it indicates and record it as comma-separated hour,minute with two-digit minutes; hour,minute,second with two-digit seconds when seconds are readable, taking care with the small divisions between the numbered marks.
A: 11,20
